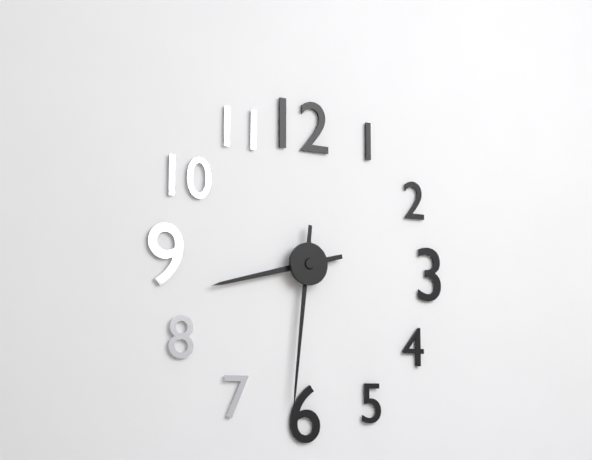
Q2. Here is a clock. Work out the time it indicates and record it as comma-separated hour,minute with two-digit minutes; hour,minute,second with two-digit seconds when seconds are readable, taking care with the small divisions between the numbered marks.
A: 8,31
